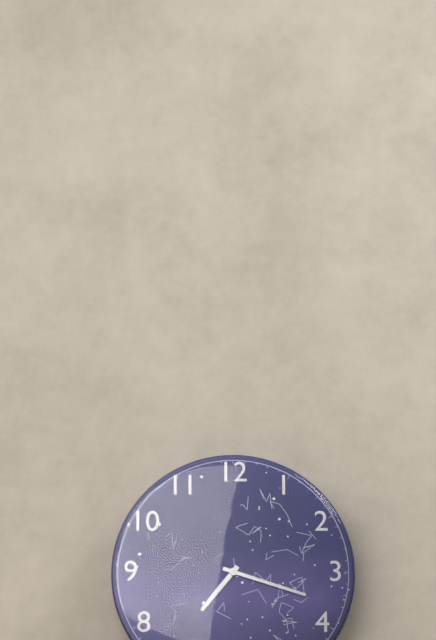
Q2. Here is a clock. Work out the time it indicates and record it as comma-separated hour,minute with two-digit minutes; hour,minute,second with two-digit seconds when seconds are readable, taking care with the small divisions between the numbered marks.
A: 7,18
